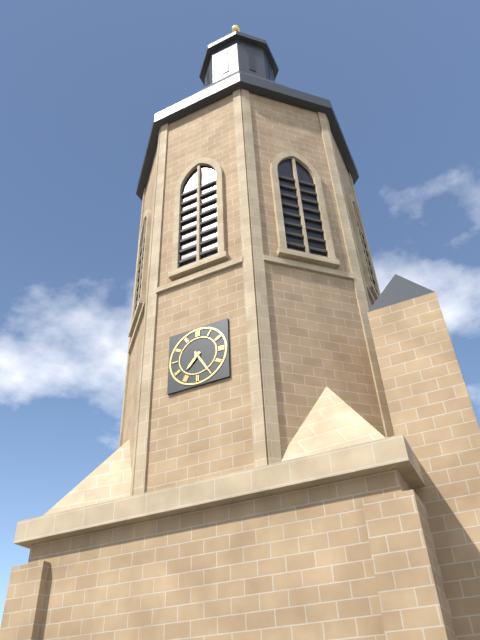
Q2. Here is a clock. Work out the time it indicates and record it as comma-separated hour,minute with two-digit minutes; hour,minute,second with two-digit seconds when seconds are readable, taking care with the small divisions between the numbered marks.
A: 7,25
